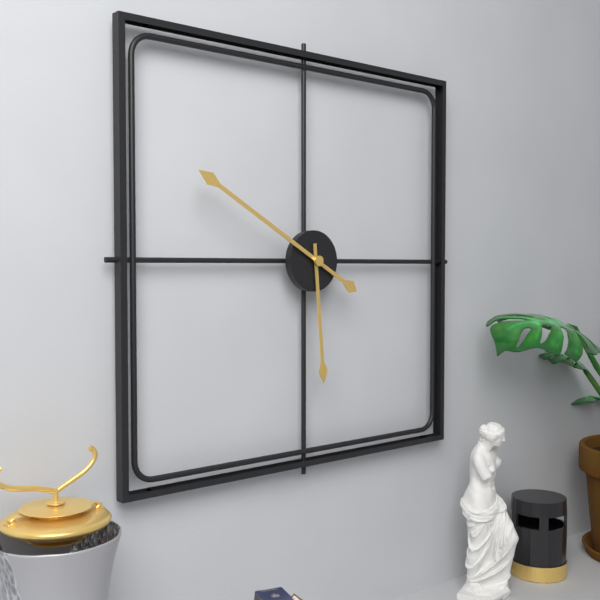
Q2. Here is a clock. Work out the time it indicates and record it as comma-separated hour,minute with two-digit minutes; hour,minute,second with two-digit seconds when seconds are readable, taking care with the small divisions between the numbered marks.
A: 5,50
